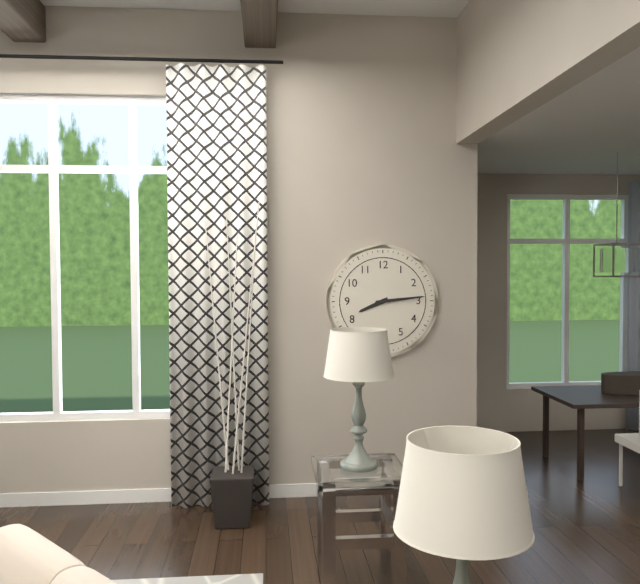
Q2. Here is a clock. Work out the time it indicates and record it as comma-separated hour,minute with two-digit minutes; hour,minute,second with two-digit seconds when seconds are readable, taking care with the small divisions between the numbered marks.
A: 8,14
